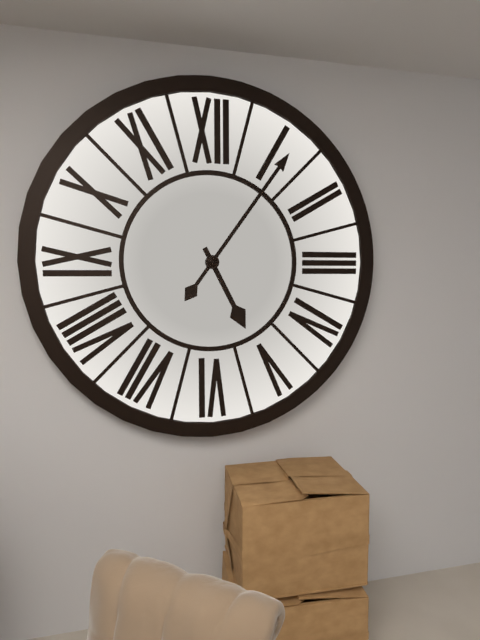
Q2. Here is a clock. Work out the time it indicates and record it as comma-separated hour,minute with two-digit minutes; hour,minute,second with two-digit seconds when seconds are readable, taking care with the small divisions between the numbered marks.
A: 5,06
